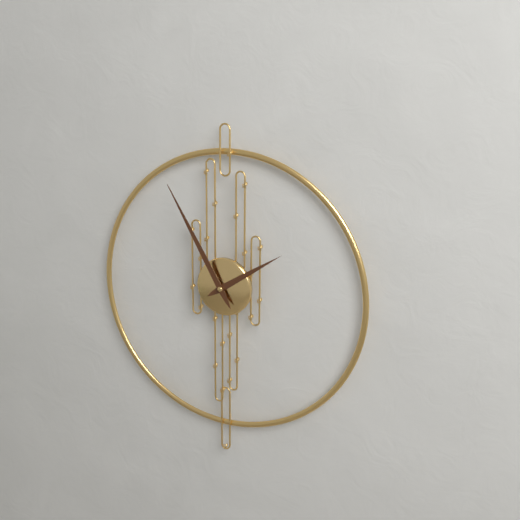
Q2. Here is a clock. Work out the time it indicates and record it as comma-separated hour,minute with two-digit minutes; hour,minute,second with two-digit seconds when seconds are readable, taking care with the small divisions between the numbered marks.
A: 1,55
